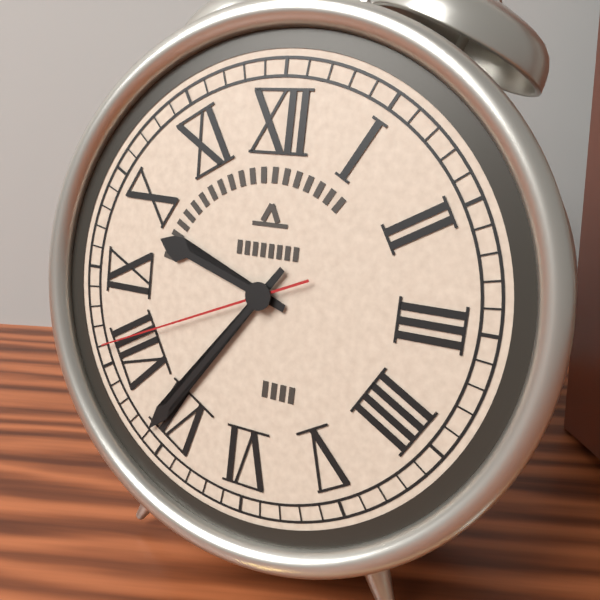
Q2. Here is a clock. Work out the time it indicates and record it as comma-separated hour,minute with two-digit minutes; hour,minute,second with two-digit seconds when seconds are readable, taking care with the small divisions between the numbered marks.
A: 9,36,41
